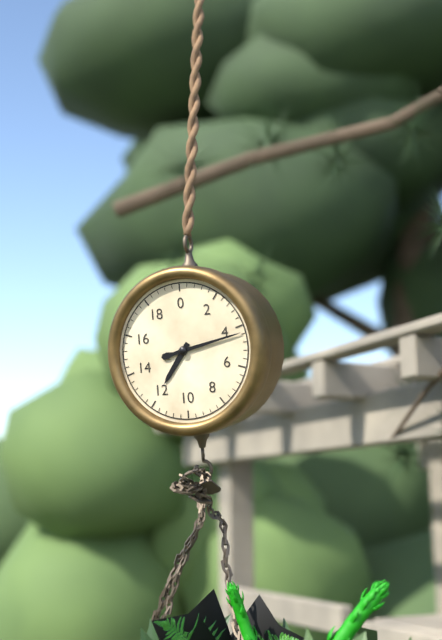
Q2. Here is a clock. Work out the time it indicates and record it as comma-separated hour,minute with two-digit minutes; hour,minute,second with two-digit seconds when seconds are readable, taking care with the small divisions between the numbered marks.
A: 7,13
